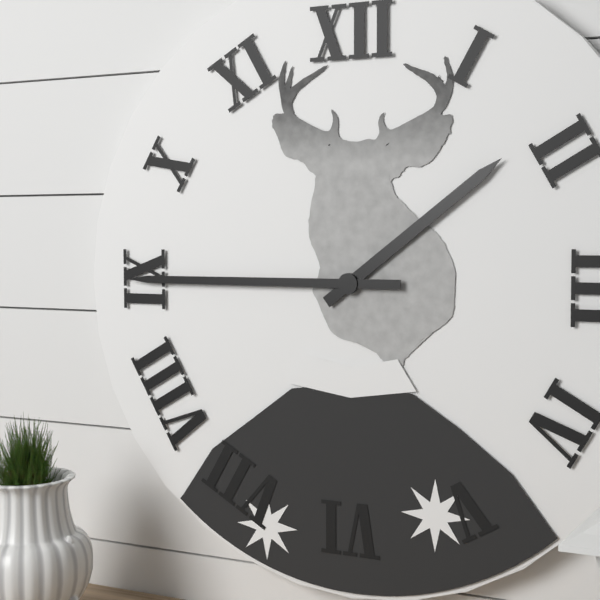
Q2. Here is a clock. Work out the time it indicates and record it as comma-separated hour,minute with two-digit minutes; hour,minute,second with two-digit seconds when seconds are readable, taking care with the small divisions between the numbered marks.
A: 1,45
